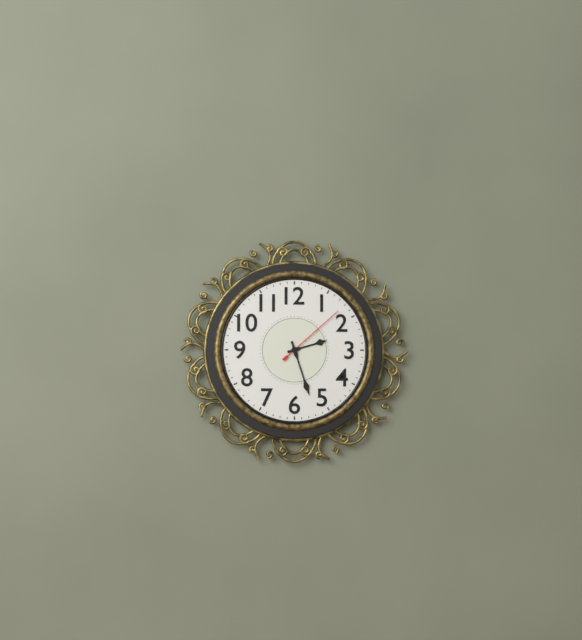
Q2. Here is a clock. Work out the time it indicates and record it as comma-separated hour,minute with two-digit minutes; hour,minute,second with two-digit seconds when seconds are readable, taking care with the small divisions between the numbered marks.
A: 2,27,08
